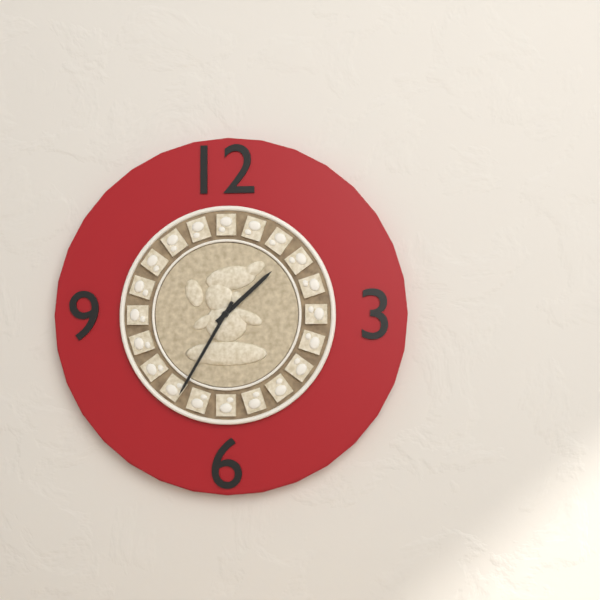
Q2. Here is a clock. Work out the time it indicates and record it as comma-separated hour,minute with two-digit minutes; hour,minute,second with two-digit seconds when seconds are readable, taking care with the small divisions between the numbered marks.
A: 1,35
